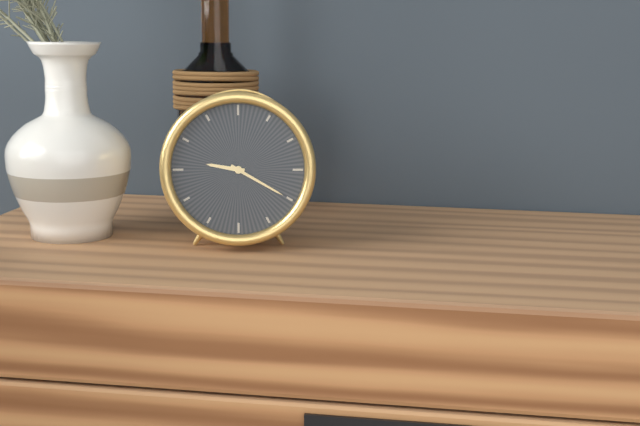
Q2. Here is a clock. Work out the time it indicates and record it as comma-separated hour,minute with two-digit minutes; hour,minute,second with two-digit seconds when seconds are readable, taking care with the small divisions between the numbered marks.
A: 9,20
